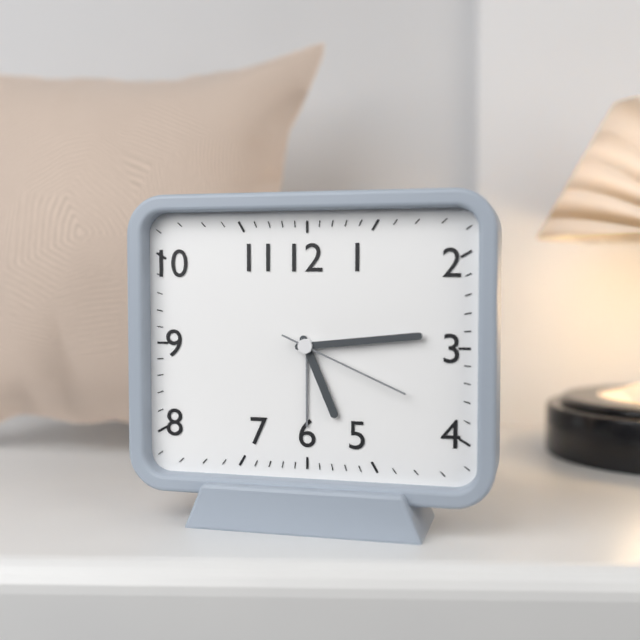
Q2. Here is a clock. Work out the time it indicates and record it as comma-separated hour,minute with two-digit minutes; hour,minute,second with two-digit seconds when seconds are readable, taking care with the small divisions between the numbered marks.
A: 5,14,19
